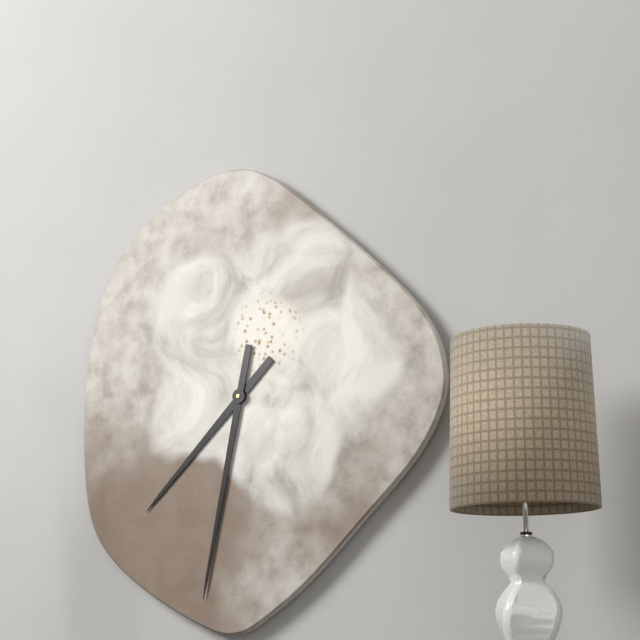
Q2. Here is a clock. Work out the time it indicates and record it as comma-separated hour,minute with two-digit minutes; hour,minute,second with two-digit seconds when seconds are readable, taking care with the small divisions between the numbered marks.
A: 7,32
